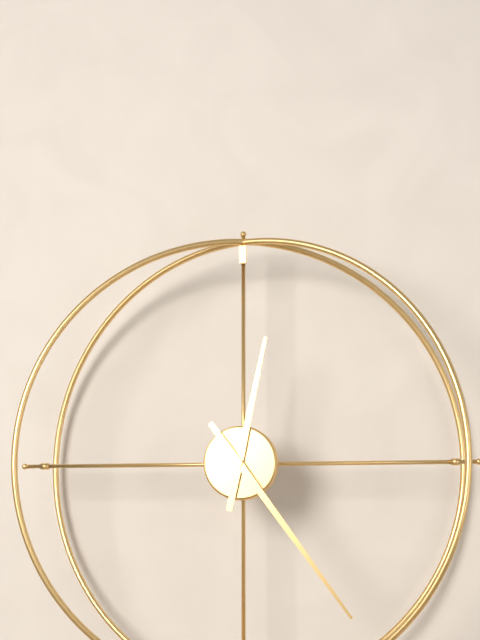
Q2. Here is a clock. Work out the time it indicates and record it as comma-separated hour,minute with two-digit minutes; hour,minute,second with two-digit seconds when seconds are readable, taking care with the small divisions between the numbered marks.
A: 12,24
